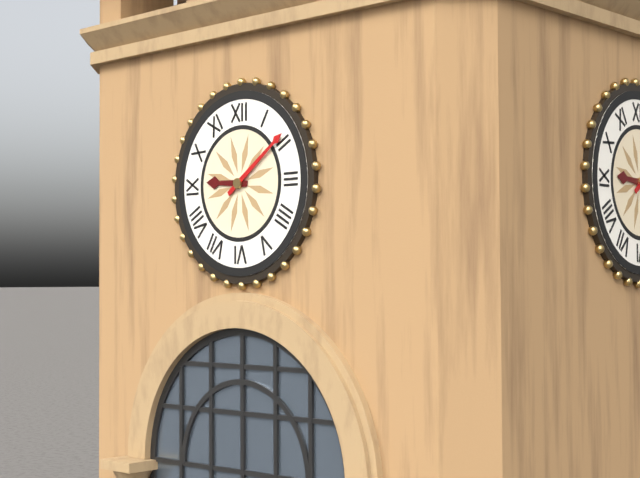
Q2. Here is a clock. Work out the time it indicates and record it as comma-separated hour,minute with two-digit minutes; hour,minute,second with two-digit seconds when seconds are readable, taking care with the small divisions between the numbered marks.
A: 9,09
